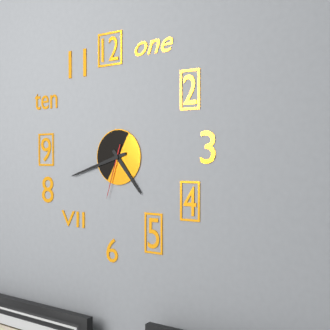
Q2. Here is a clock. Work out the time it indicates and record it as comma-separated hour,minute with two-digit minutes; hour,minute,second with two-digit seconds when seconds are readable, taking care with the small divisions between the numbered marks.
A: 4,42,33
